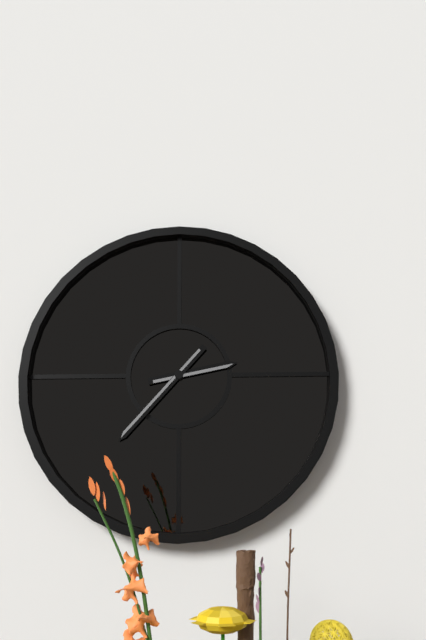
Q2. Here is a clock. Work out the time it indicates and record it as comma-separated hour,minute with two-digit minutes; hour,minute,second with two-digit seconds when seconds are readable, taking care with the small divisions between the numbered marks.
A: 2,37
